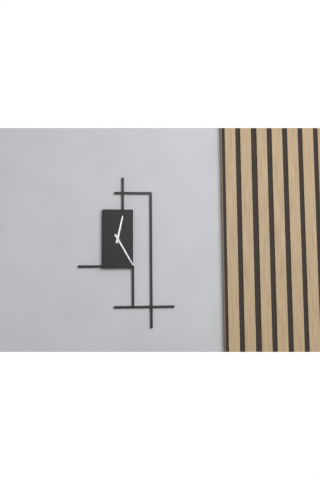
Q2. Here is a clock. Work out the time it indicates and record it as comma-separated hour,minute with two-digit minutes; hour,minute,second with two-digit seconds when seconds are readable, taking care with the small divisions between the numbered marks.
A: 12,25
